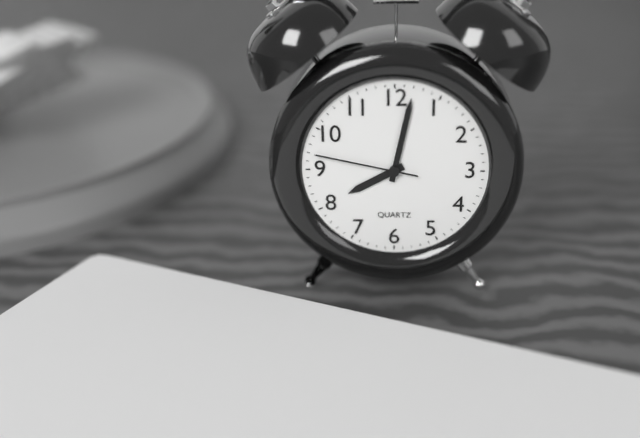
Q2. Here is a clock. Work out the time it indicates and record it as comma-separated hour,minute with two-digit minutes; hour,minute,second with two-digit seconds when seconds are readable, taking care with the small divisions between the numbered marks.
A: 8,02,47
